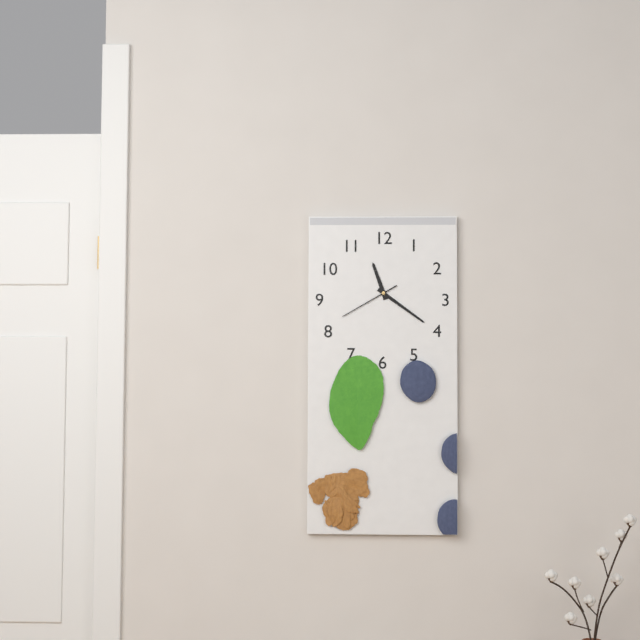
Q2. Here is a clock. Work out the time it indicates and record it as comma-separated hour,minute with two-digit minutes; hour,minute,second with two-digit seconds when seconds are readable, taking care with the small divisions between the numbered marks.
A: 11,21,40
